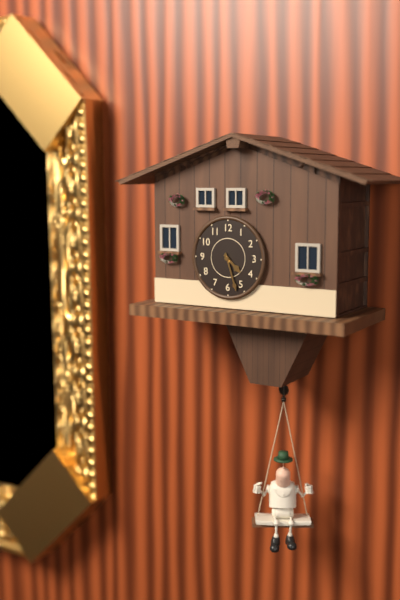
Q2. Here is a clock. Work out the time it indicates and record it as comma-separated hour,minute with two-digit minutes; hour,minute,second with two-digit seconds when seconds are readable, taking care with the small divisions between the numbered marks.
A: 4,27
